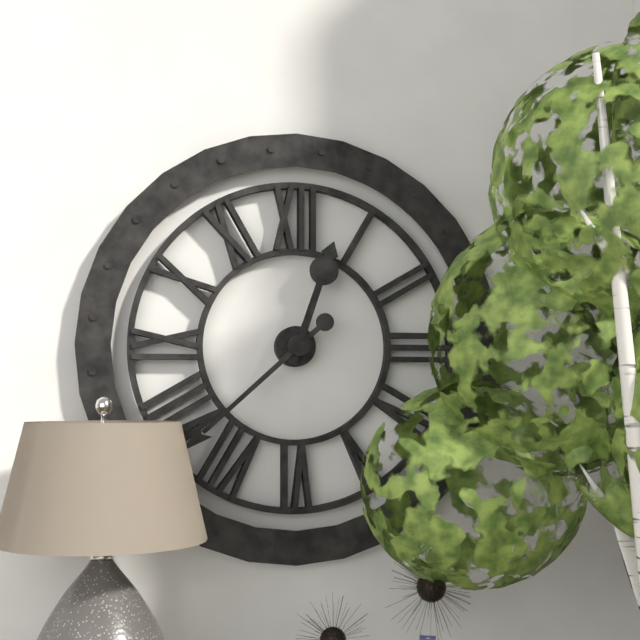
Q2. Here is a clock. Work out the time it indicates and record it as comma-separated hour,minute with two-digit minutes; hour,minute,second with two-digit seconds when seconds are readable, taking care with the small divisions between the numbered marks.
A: 12,38
